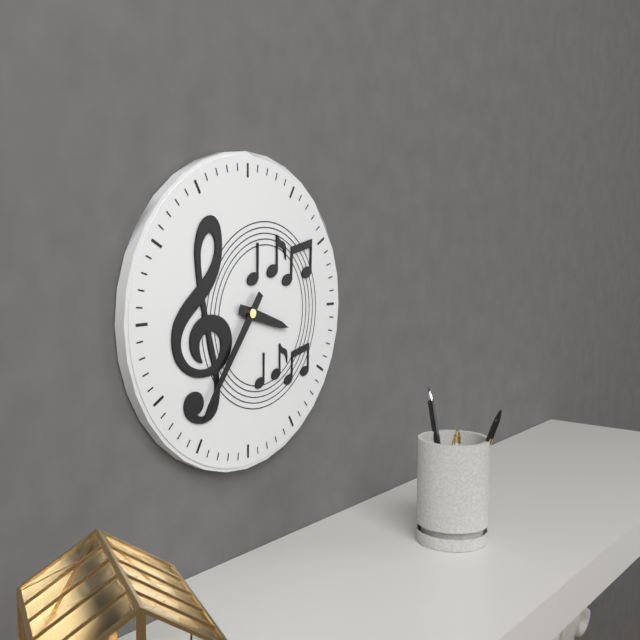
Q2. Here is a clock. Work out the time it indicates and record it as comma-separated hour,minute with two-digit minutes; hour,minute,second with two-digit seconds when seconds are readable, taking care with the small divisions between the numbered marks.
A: 3,36
